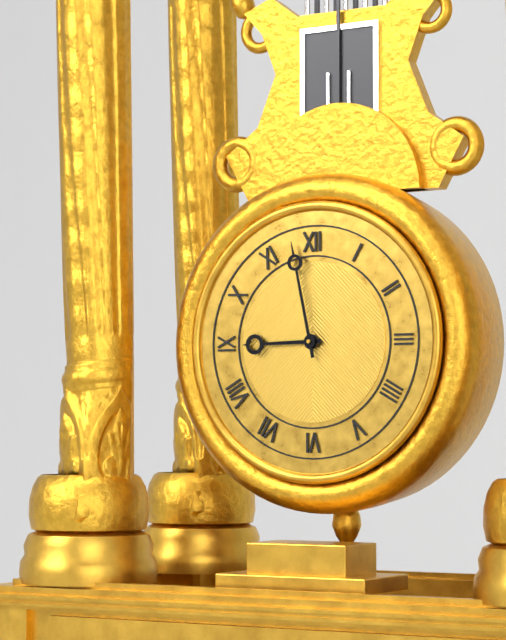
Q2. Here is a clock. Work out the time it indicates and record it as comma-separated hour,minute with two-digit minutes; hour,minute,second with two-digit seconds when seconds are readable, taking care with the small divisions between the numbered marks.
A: 8,58
